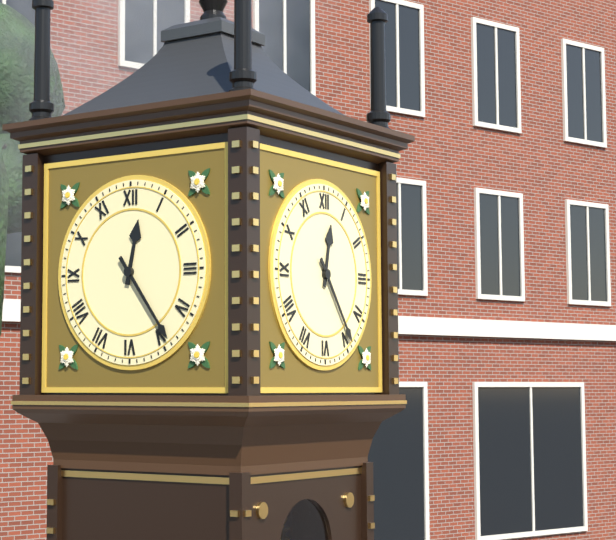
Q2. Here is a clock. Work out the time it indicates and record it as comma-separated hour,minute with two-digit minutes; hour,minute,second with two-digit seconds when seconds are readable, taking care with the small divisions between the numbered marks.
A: 12,24
